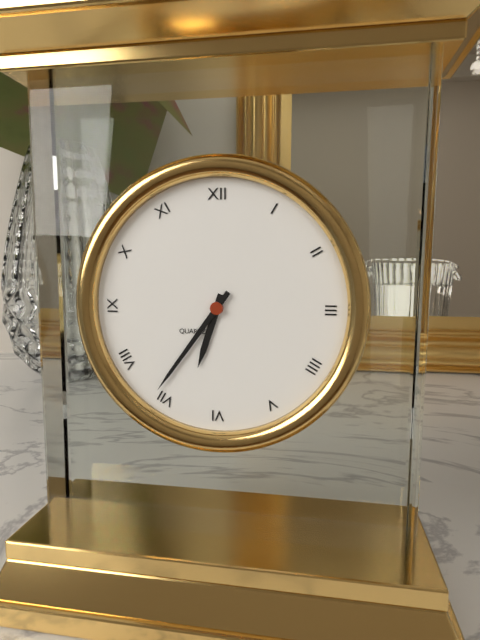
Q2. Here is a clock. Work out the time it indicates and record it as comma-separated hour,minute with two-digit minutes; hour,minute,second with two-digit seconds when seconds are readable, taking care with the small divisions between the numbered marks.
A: 6,36
